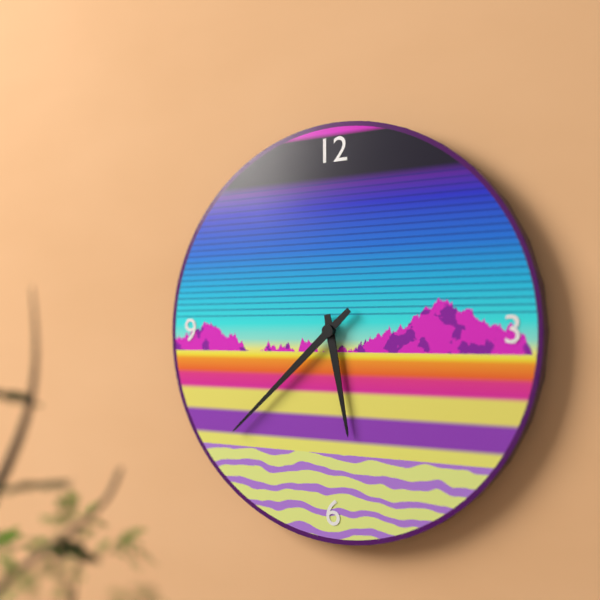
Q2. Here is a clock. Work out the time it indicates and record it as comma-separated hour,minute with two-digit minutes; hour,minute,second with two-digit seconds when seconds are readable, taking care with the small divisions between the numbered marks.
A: 5,38
